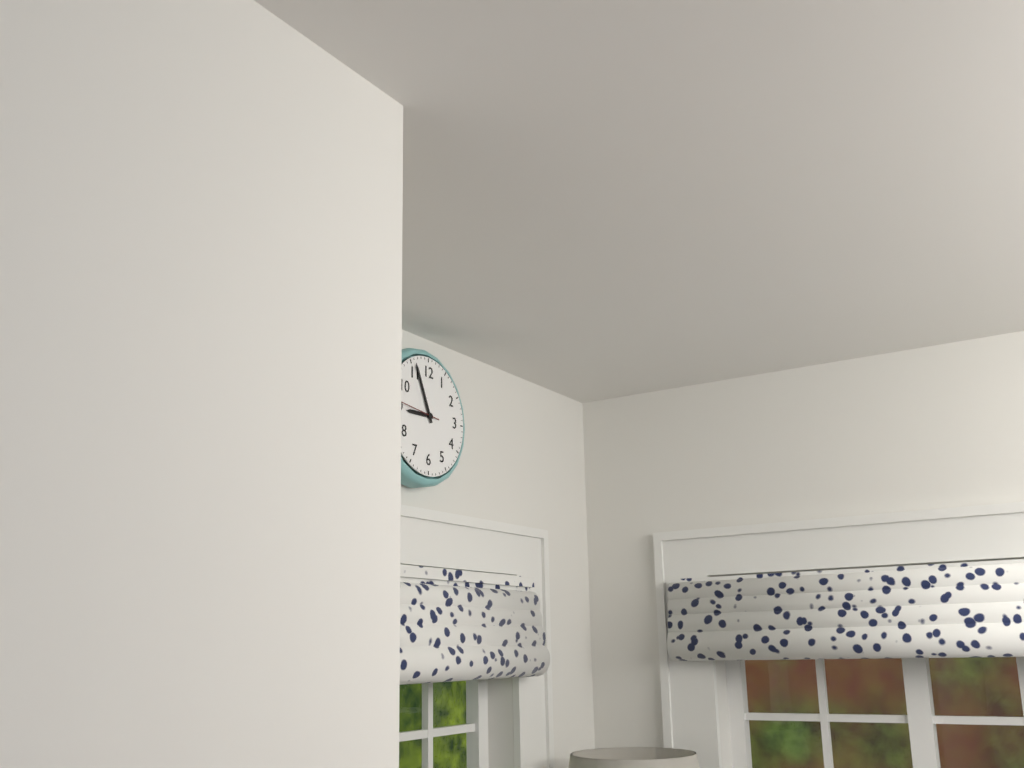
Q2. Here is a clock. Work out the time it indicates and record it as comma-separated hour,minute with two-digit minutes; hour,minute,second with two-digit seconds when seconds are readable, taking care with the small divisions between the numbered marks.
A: 8,56
